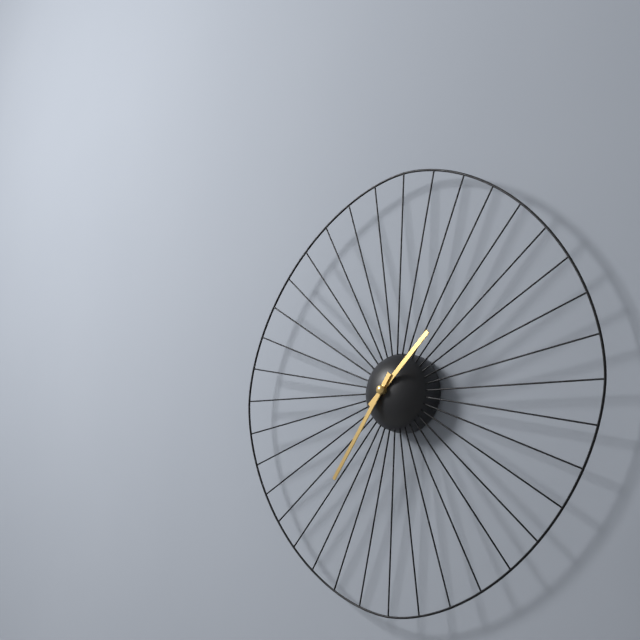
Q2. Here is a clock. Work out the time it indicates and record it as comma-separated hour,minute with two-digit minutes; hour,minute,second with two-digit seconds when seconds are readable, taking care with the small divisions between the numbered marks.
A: 1,36
